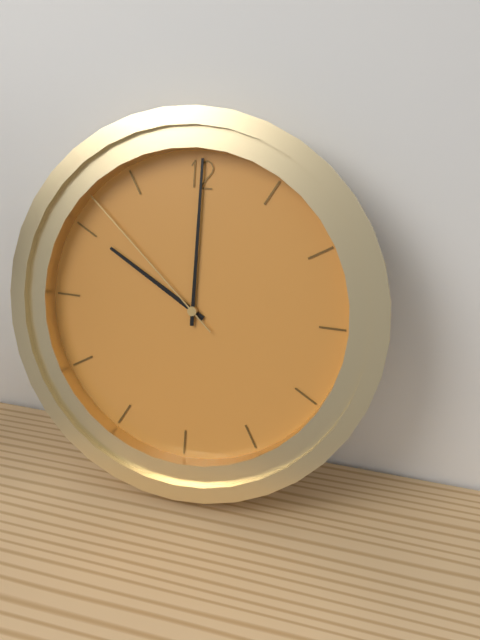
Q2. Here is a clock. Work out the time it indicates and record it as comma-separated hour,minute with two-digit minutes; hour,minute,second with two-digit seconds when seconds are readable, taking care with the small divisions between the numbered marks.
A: 10,00,52
